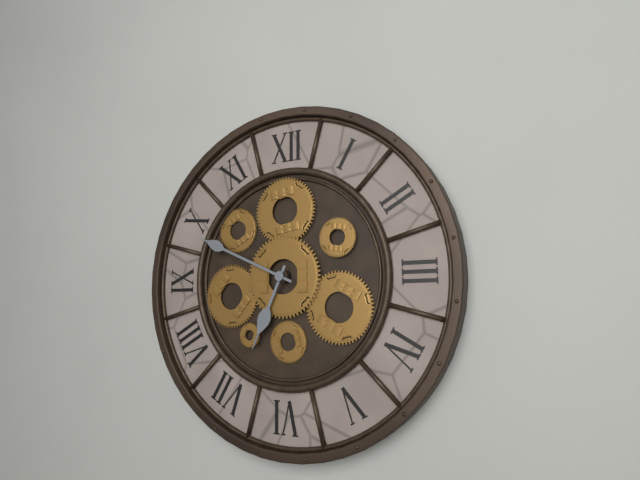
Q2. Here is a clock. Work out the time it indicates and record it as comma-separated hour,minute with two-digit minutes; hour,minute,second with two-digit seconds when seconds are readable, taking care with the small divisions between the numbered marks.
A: 6,49
